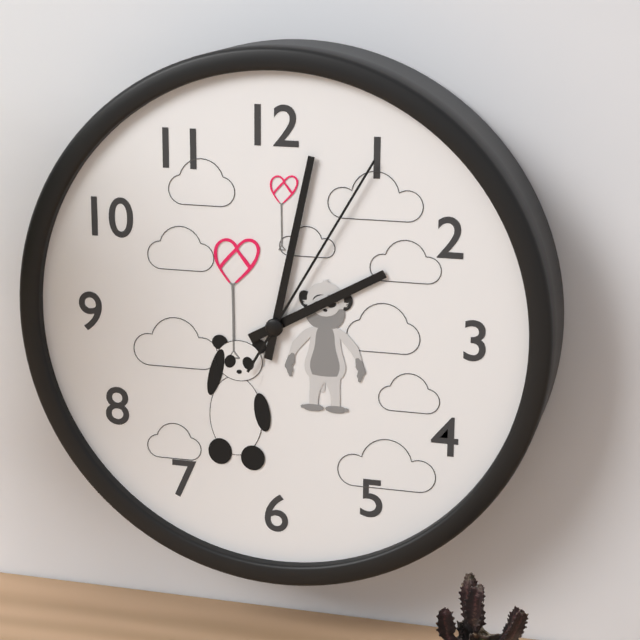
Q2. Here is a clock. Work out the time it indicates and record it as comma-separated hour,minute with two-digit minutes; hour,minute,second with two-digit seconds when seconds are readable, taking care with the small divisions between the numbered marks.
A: 2,02,05
